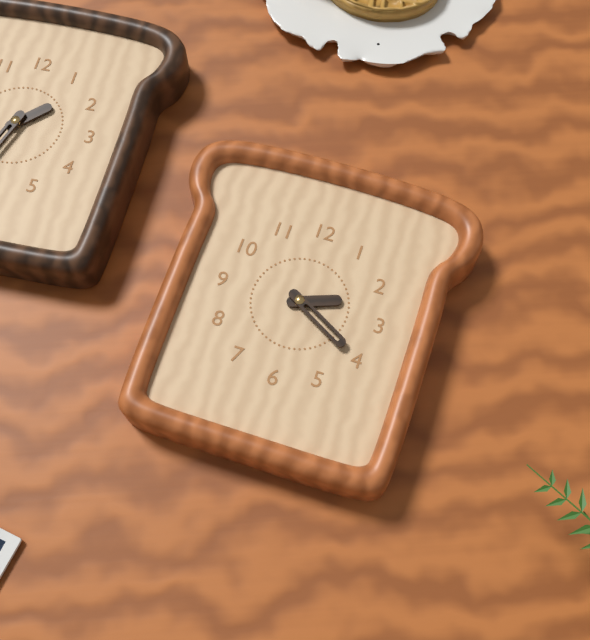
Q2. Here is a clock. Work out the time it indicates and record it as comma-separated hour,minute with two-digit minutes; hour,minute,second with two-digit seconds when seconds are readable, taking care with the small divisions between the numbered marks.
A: 2,20
